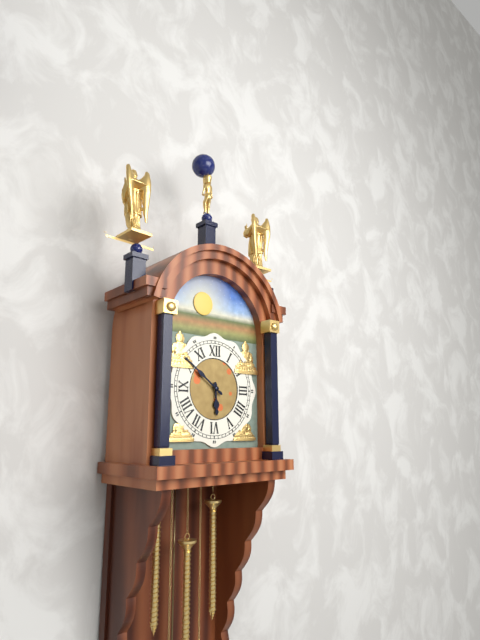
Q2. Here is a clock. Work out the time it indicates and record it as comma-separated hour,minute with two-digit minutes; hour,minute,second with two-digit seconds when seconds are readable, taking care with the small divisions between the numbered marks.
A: 5,51
